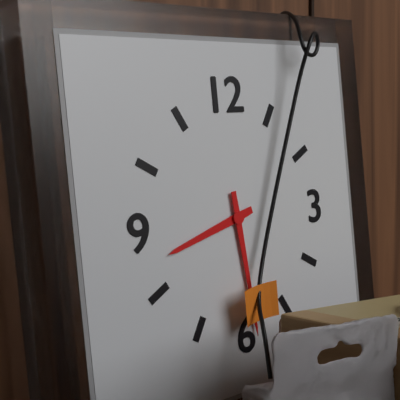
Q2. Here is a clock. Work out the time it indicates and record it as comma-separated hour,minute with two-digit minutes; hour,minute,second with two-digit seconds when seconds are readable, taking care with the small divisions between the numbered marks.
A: 8,29
